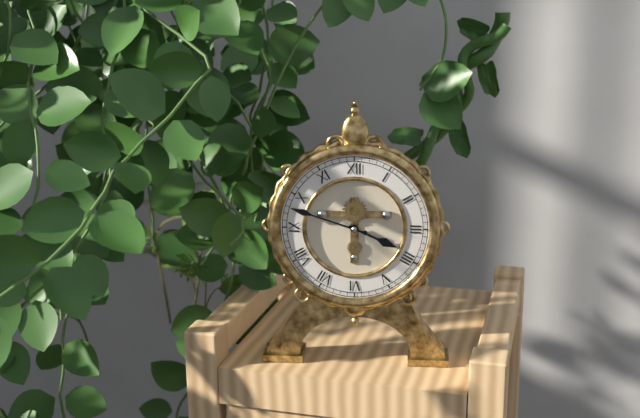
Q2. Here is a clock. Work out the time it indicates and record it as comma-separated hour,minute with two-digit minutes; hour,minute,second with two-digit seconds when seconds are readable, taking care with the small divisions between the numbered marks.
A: 3,48
